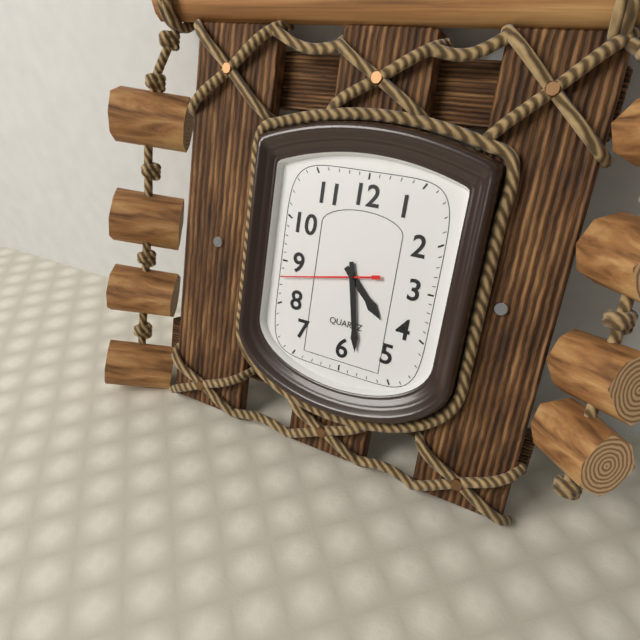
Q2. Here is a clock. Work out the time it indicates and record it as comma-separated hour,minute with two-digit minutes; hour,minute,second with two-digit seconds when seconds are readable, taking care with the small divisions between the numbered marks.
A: 4,28,43
